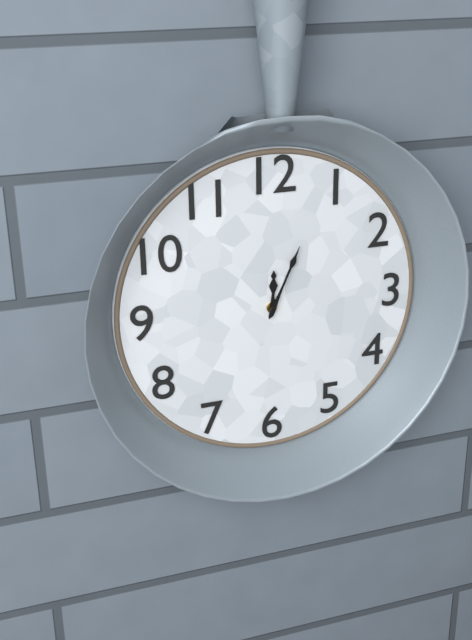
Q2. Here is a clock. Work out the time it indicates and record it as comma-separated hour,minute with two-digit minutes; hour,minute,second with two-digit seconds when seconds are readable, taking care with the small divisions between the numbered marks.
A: 12,04
